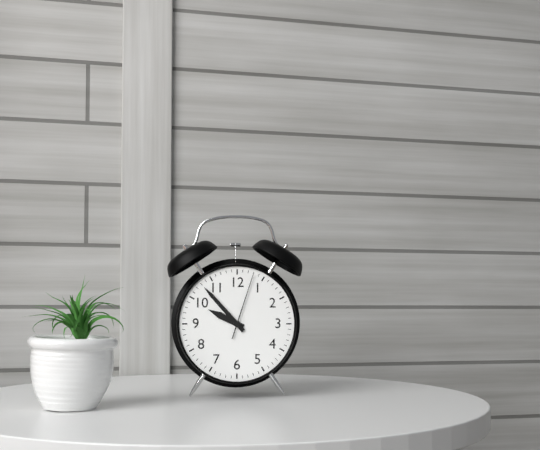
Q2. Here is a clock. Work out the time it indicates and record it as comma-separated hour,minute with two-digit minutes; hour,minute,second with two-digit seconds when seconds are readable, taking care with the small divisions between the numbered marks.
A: 9,53,03
